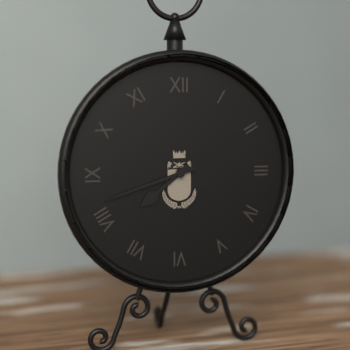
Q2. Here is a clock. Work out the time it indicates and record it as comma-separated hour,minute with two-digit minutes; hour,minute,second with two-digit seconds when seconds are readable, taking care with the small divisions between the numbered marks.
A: 7,42
